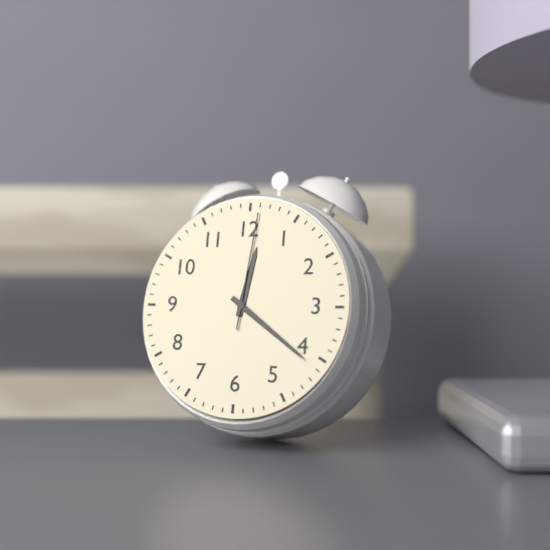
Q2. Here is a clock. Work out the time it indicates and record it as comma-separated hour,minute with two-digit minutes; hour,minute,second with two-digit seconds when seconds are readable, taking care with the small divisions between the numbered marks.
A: 12,21,01
